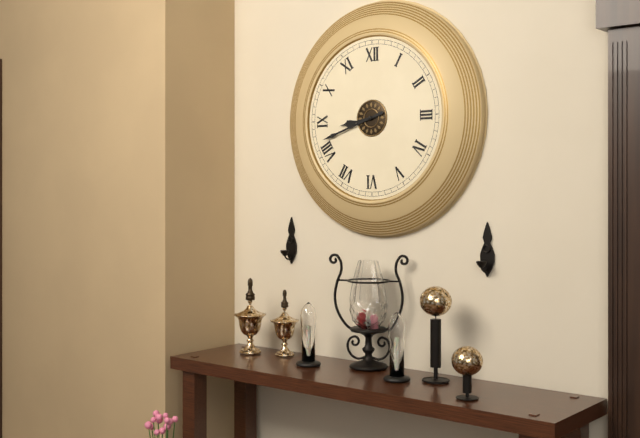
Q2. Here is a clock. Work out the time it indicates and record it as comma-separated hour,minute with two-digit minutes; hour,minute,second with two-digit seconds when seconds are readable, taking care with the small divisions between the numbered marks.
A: 8,42
